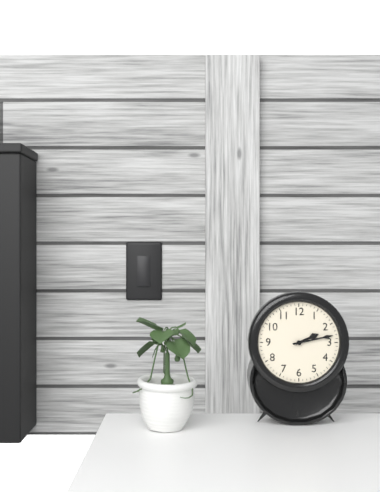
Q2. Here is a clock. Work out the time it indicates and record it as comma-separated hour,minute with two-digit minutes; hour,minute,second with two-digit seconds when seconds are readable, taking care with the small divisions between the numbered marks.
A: 2,13
